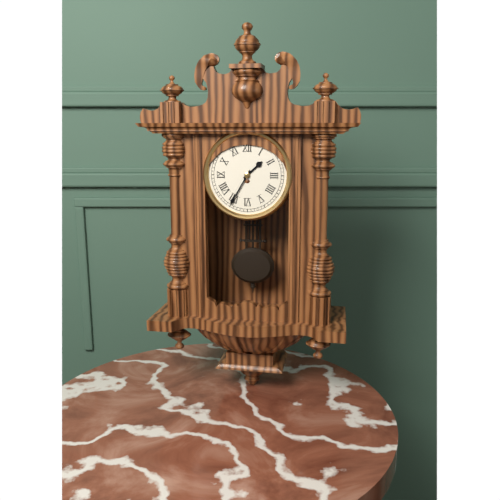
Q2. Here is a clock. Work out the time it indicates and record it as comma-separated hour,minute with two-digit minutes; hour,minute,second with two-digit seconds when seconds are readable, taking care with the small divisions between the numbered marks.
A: 1,35
